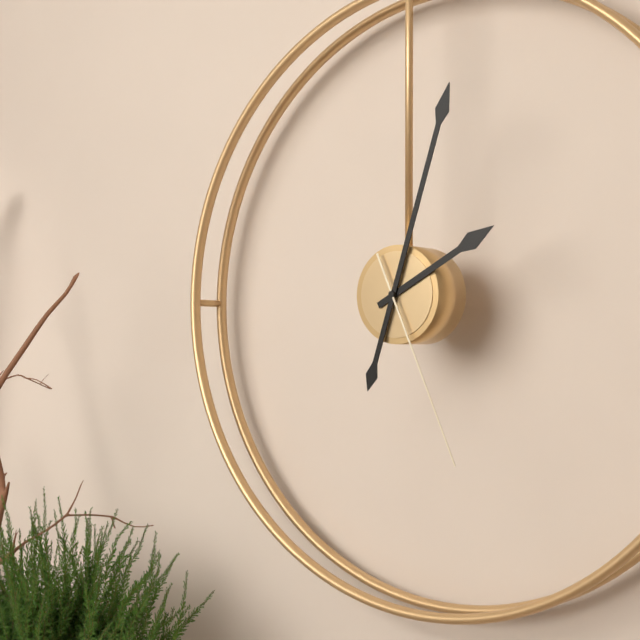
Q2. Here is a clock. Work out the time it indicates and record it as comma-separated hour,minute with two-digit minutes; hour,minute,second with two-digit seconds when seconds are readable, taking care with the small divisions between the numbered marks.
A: 2,03,26
